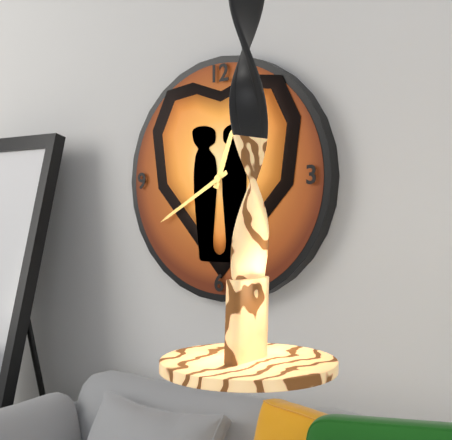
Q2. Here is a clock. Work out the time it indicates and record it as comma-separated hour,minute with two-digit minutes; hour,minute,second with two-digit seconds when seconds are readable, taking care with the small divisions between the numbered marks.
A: 12,40
